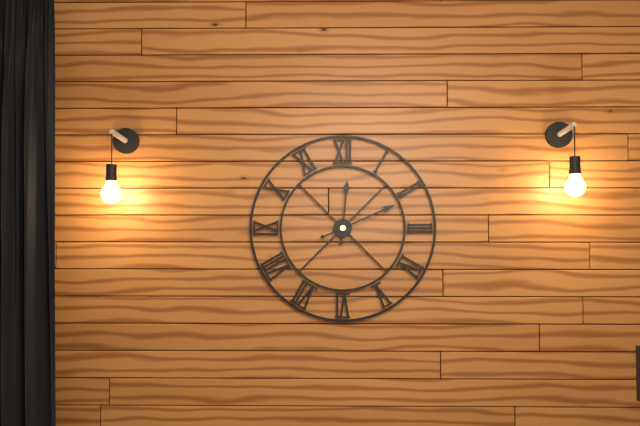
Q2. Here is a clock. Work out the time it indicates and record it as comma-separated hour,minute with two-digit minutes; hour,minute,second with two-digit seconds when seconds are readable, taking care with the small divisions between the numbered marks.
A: 12,11
